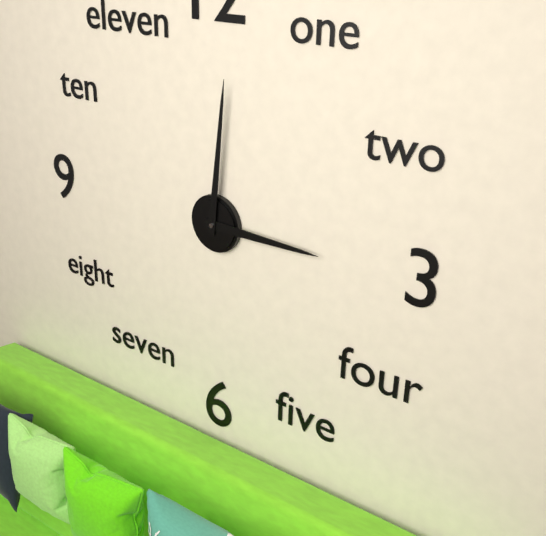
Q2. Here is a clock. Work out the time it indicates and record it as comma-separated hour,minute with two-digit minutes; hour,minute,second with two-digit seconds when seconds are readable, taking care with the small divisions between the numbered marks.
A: 3,01
